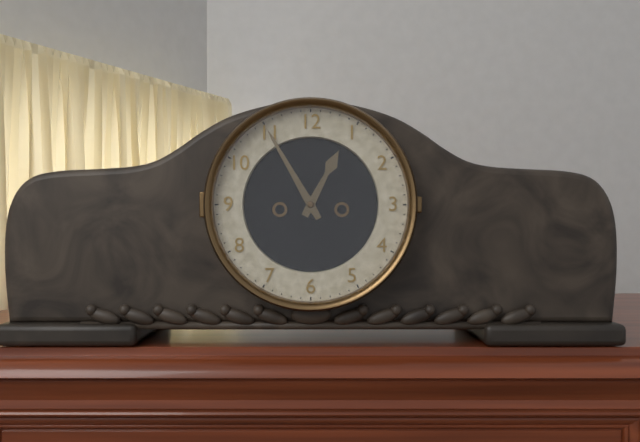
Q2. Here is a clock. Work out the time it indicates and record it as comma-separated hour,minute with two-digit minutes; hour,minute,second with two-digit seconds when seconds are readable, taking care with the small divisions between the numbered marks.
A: 12,55
